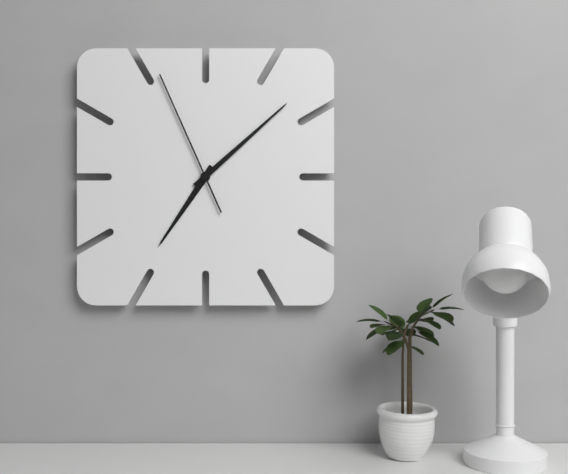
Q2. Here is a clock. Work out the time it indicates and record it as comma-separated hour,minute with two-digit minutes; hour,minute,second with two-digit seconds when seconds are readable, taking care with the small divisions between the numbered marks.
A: 7,08,56
